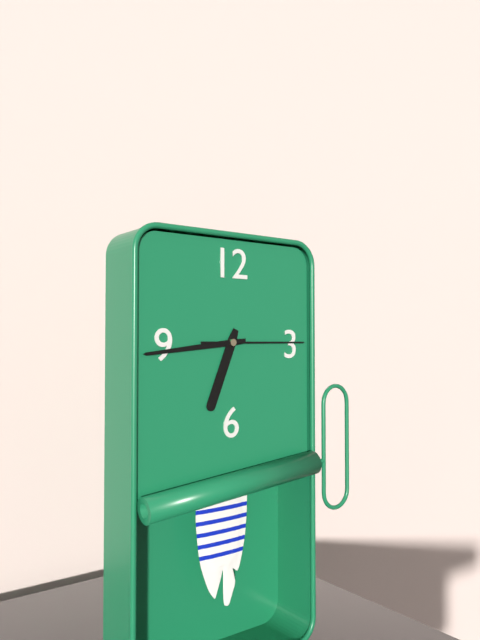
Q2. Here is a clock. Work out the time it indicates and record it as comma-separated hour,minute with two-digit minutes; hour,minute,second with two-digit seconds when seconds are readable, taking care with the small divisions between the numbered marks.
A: 6,44,15
